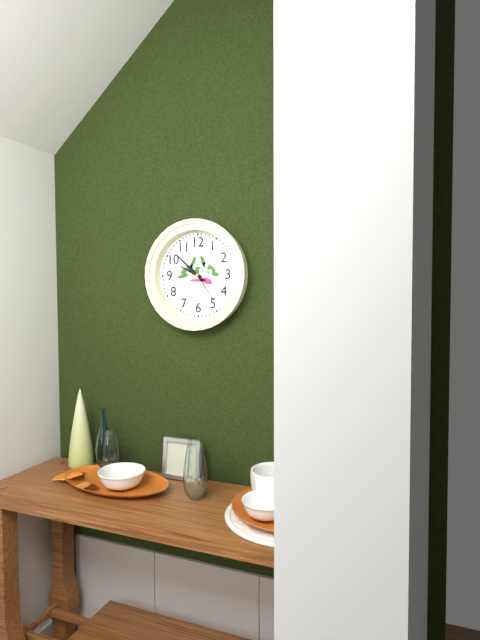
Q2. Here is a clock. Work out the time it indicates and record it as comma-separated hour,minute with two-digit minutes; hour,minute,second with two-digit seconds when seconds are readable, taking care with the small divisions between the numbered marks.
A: 9,52
